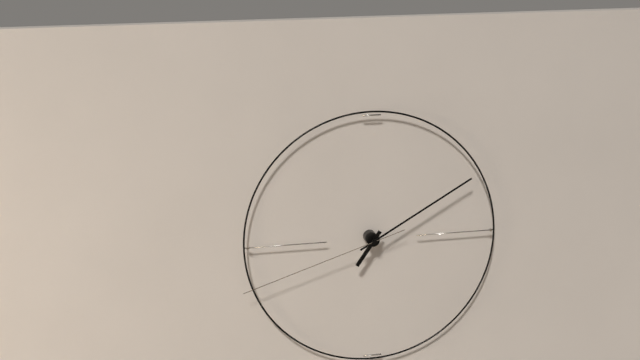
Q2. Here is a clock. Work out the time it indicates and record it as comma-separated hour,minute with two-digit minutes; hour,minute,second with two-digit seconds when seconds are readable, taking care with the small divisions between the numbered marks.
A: 7,10,42
